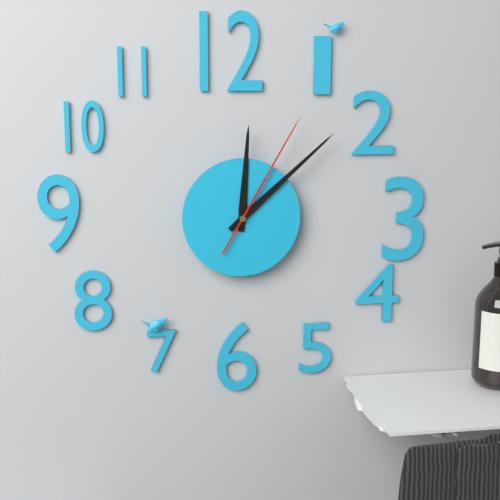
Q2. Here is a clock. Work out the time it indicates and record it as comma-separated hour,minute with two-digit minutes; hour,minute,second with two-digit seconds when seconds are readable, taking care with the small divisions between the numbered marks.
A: 12,08,05
